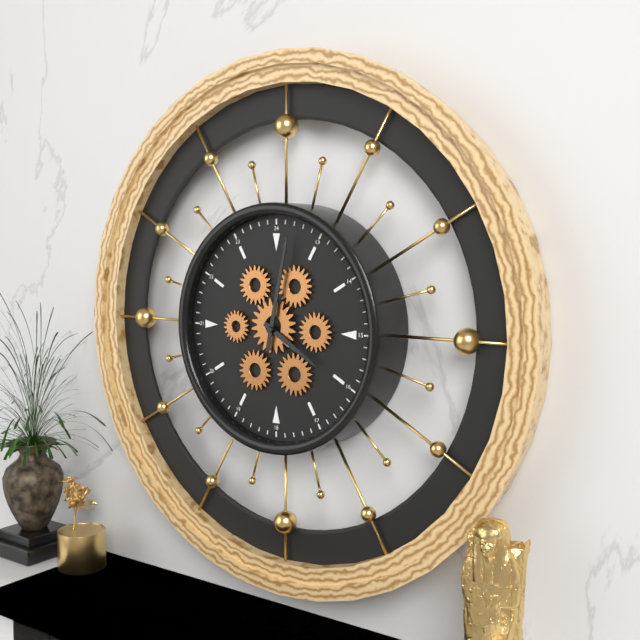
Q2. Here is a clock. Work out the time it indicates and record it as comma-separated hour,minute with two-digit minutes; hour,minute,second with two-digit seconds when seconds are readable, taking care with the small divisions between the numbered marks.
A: 4,02
